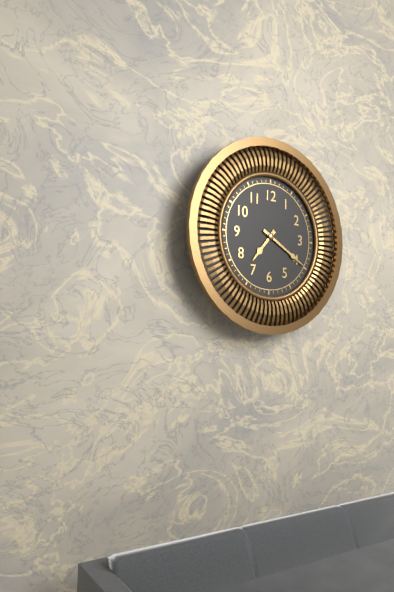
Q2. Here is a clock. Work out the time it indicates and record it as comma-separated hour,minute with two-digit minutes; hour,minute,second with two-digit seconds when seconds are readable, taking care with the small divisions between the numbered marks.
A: 7,20
